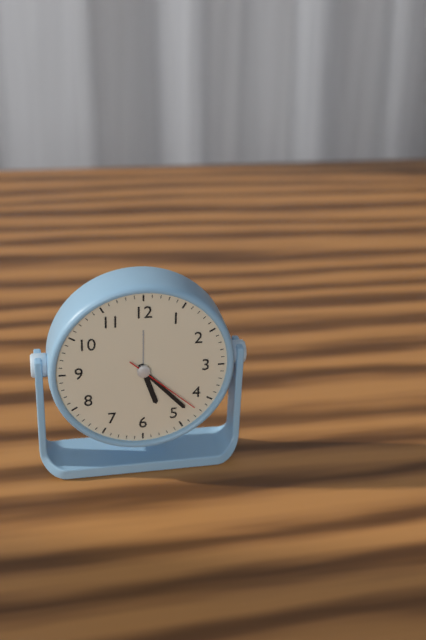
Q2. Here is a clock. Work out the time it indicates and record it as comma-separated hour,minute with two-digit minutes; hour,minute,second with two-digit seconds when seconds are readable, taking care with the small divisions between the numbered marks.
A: 5,23,22
